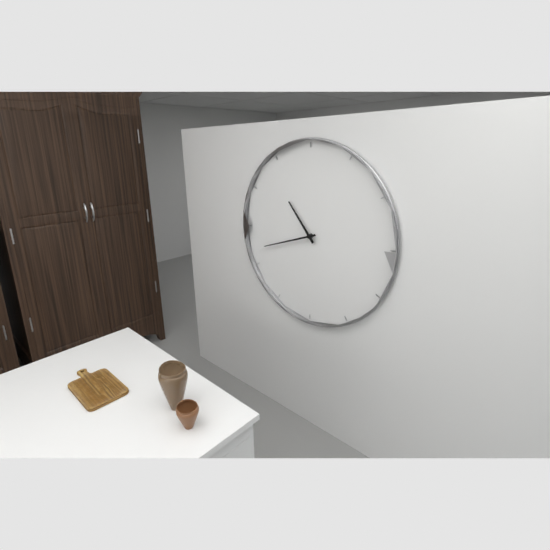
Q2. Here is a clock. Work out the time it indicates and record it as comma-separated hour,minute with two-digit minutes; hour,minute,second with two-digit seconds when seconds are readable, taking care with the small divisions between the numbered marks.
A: 10,42
